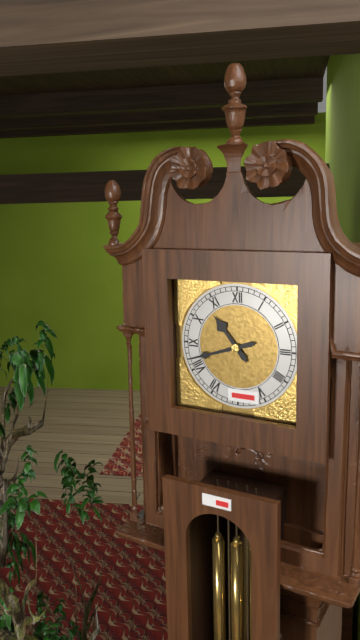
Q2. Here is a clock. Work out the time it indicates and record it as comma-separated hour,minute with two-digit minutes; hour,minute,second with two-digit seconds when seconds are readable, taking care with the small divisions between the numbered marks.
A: 10,42
